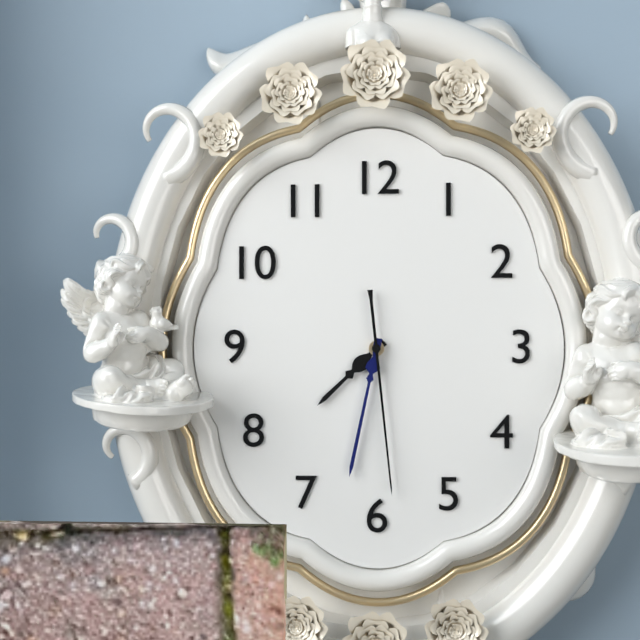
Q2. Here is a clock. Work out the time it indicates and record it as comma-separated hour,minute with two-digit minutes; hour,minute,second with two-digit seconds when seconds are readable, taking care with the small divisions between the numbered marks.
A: 7,32,29
